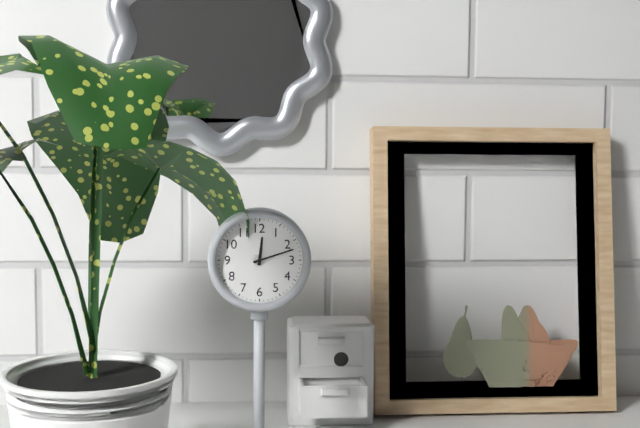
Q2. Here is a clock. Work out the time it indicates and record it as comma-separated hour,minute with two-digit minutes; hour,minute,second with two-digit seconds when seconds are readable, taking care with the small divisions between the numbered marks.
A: 12,12
